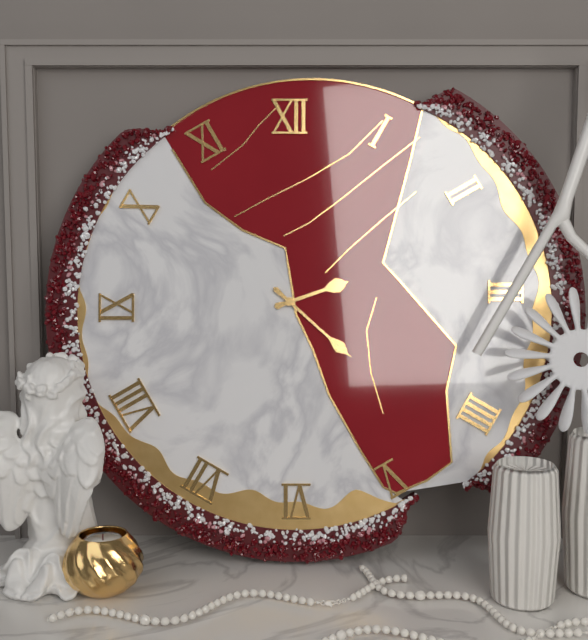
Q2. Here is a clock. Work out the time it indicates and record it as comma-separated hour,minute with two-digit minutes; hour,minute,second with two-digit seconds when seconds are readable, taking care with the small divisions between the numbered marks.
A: 2,22
